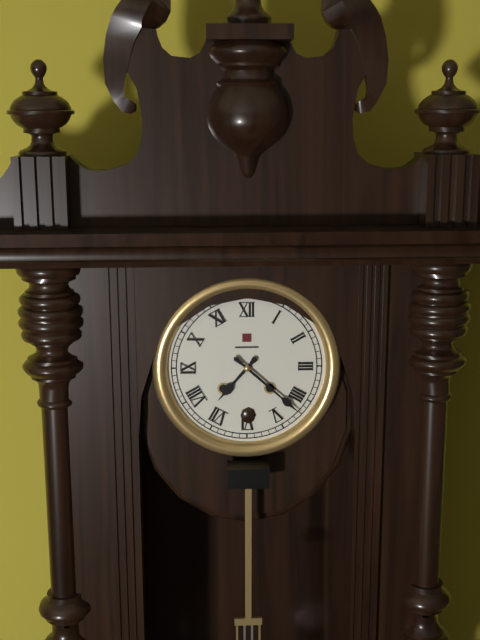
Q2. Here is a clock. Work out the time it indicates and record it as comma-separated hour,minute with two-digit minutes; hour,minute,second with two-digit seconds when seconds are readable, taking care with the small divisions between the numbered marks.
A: 7,22
